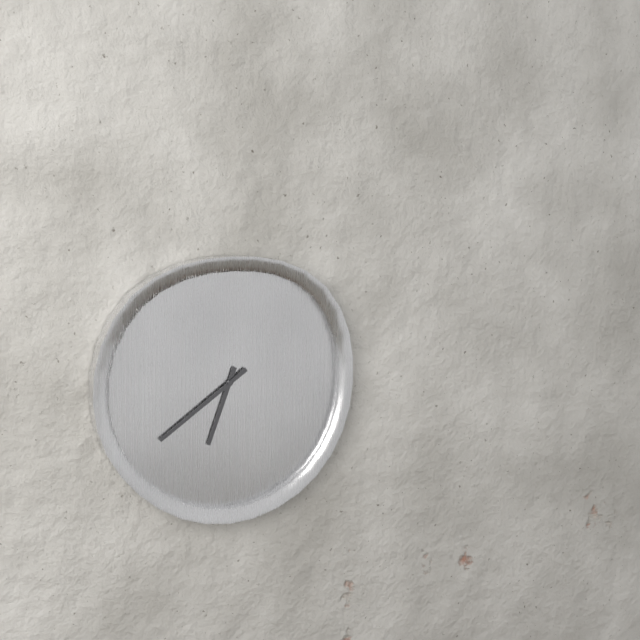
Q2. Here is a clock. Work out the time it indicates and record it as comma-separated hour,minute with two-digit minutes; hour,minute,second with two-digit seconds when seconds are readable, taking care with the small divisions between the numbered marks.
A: 6,39
